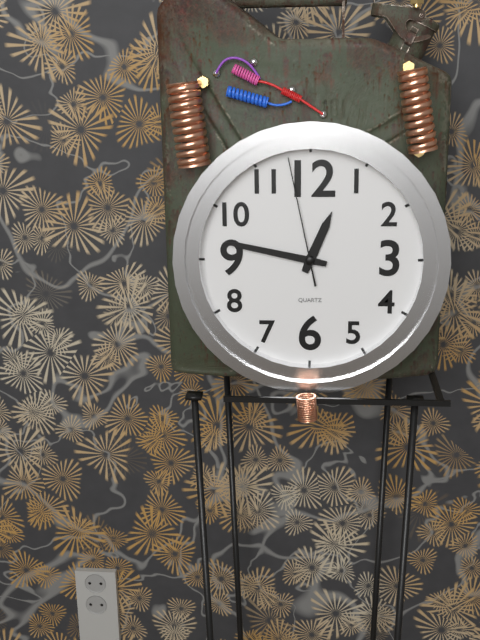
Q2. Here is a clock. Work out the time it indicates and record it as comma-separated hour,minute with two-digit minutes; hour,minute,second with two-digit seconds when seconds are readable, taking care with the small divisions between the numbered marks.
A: 12,47,58
